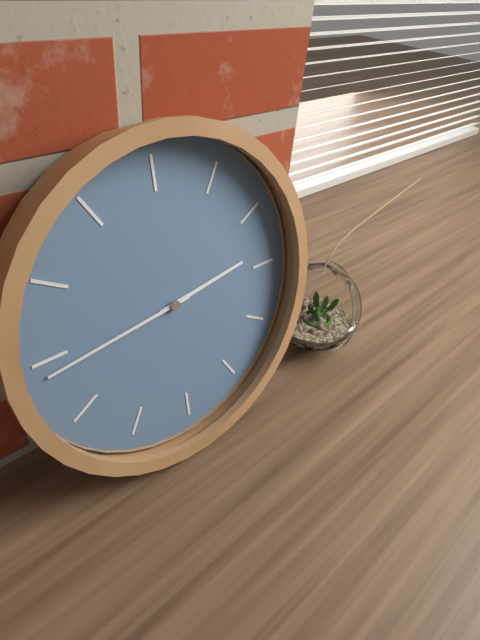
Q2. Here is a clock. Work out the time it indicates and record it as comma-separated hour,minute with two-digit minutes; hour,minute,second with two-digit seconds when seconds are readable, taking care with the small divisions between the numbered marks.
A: 2,44
